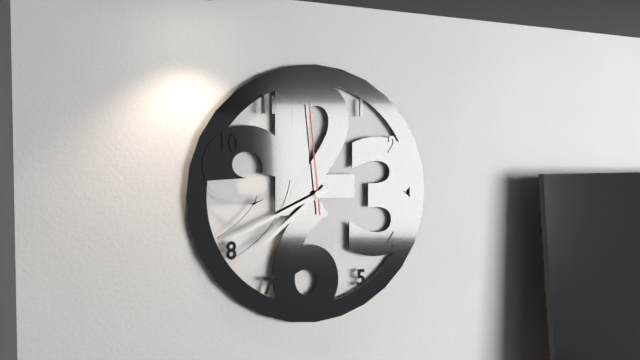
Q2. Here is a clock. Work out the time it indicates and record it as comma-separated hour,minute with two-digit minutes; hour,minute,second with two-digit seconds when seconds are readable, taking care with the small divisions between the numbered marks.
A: 7,41,59
